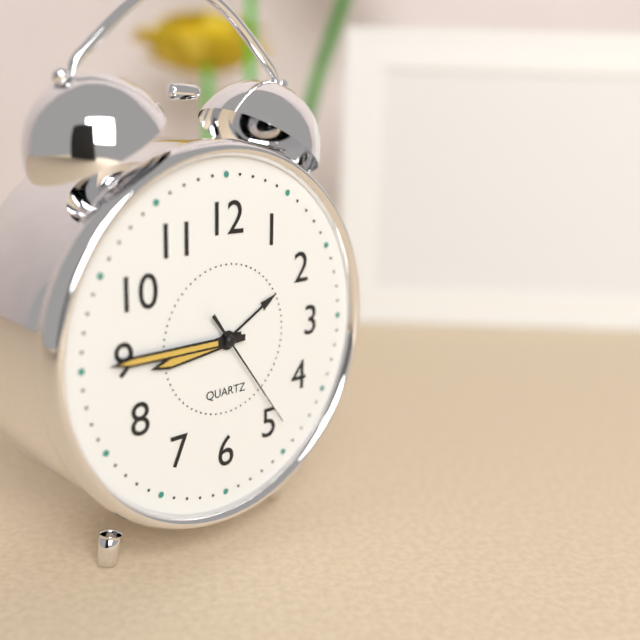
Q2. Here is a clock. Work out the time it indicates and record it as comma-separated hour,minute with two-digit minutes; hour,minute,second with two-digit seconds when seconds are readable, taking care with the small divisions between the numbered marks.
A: 8,45,24
